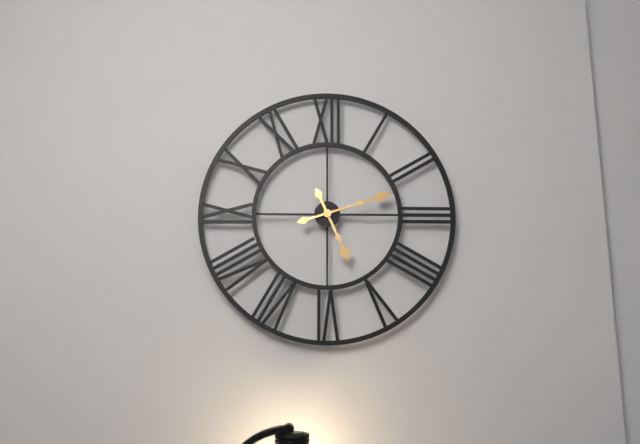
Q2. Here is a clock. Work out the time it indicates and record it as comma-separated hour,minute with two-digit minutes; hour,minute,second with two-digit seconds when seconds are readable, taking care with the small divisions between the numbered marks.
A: 5,12
